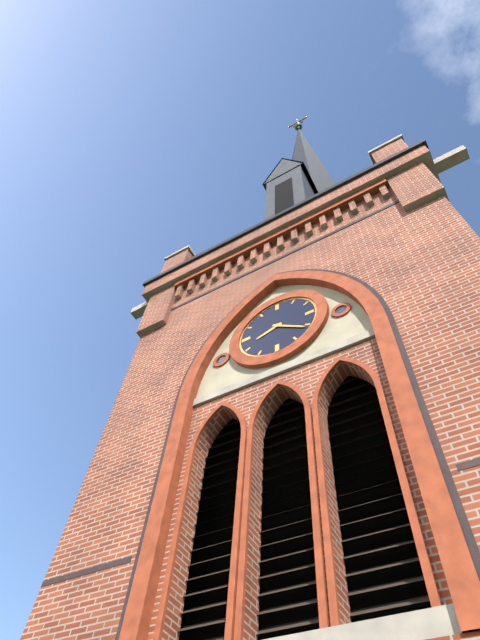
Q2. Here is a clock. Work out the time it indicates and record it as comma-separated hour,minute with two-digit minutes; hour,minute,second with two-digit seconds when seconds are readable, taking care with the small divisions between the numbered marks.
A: 8,21
